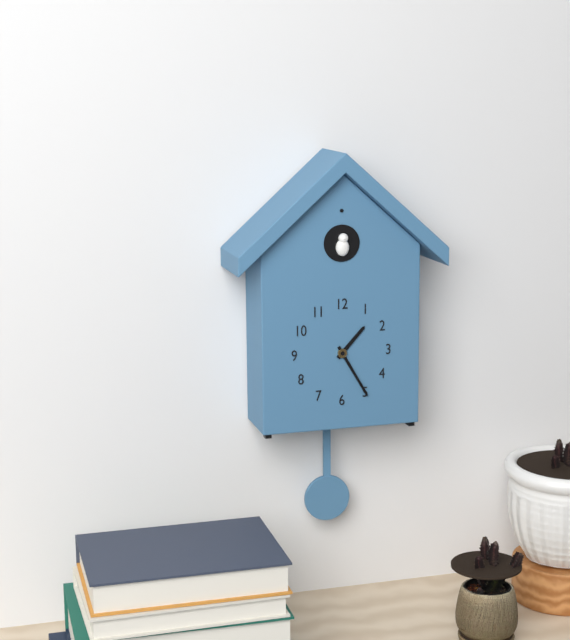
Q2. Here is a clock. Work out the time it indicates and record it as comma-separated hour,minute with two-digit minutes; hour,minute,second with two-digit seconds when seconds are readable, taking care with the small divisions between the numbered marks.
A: 1,25
